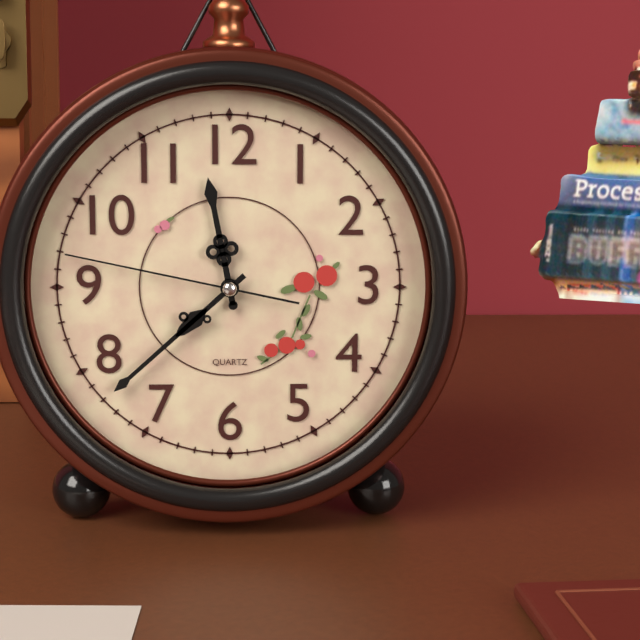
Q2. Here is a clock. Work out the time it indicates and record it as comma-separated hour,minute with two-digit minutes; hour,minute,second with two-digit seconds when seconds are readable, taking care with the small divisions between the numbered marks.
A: 11,38,47
